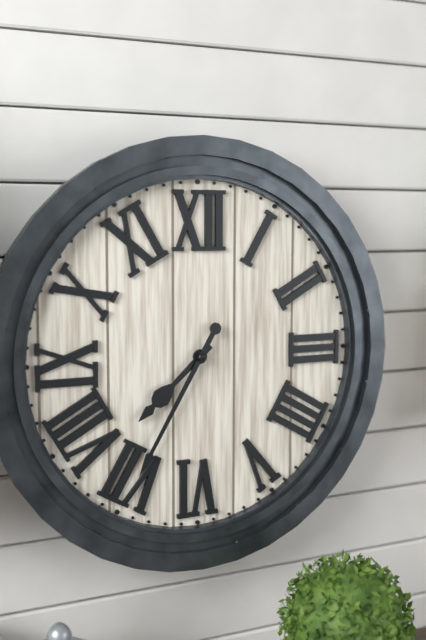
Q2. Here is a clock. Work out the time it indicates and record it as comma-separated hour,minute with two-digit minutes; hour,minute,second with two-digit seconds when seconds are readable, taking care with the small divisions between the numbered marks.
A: 7,35
